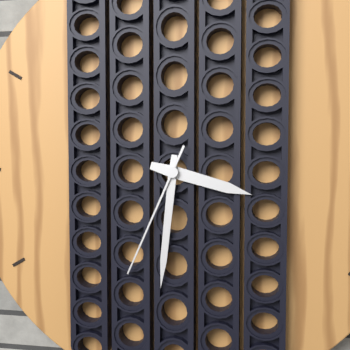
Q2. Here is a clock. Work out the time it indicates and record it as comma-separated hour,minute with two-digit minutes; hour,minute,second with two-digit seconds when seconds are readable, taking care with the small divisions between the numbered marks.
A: 3,31,34
